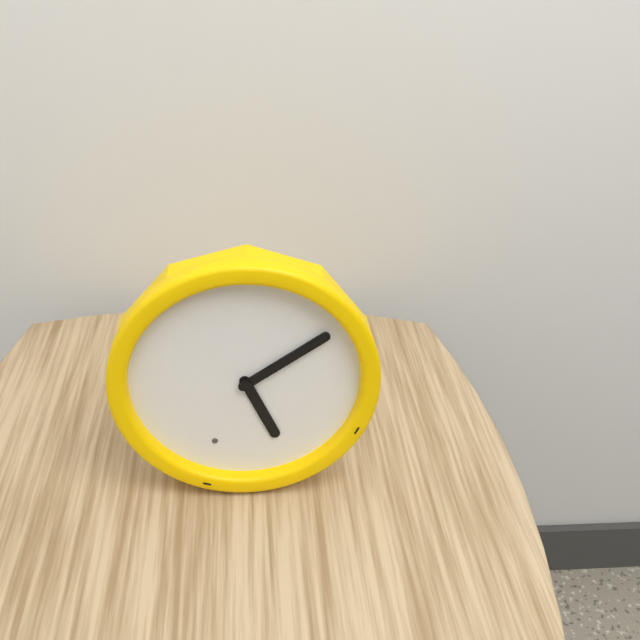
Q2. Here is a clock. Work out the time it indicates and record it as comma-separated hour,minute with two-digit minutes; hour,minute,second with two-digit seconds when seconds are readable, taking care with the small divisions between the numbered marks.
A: 5,09
